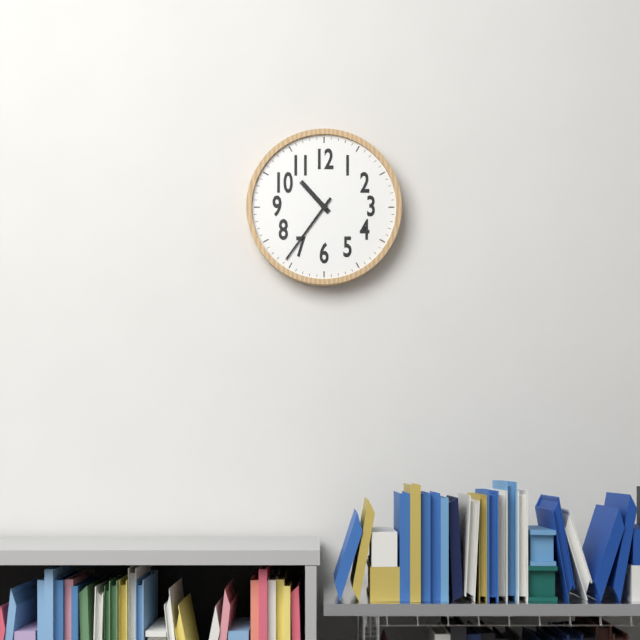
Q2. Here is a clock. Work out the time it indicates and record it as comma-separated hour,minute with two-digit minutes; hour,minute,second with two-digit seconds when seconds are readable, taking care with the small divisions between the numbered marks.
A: 10,36
